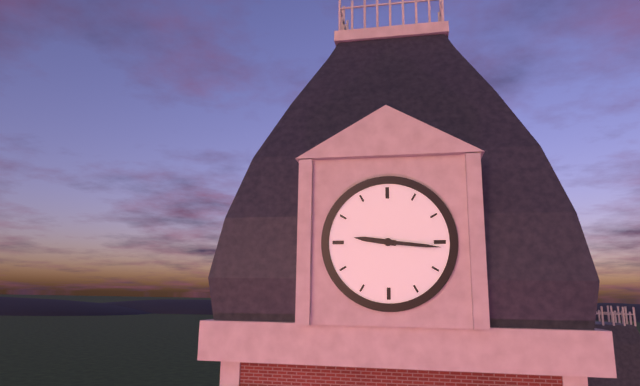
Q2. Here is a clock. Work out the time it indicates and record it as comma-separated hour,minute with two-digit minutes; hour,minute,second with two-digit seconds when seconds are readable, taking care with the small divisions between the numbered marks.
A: 9,16
